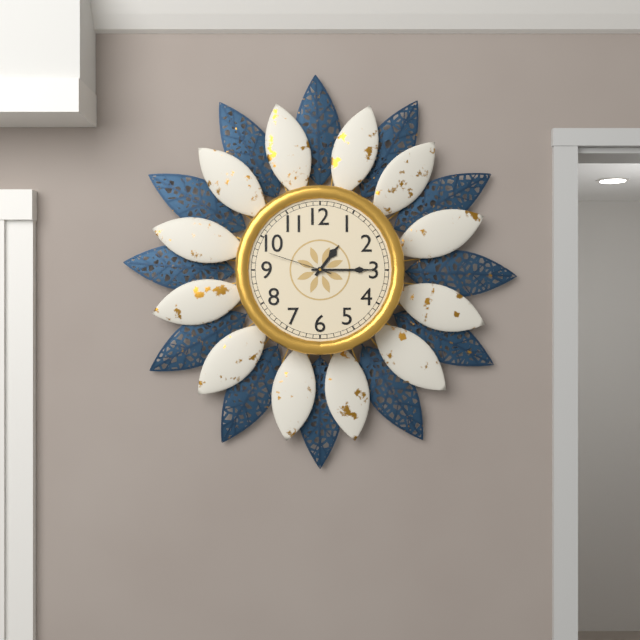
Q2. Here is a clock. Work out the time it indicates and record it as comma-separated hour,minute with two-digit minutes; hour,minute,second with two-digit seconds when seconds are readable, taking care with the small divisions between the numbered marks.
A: 1,15,48
